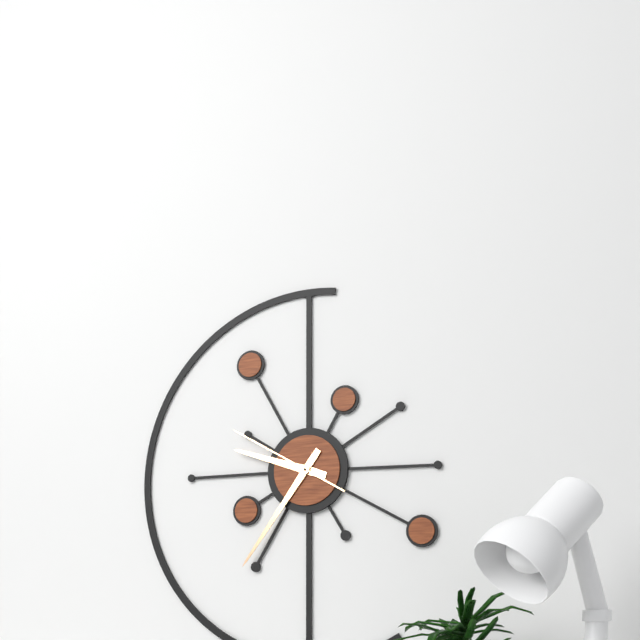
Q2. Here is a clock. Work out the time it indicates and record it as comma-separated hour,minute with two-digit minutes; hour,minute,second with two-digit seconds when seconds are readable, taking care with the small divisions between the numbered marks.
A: 9,36,50
